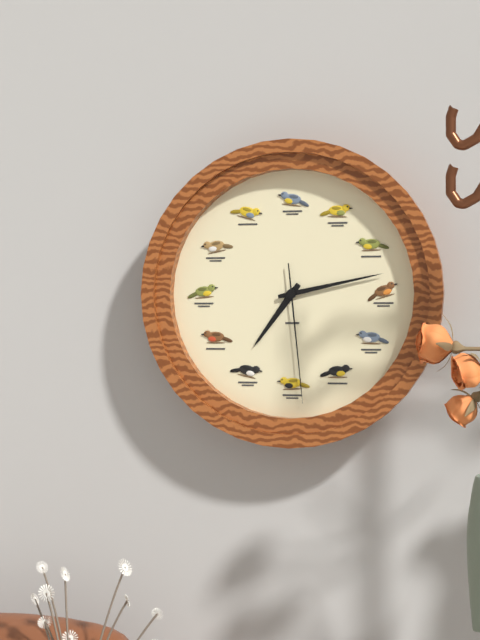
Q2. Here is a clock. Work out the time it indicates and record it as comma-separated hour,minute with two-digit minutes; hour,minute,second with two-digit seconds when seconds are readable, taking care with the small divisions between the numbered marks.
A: 7,13,29
